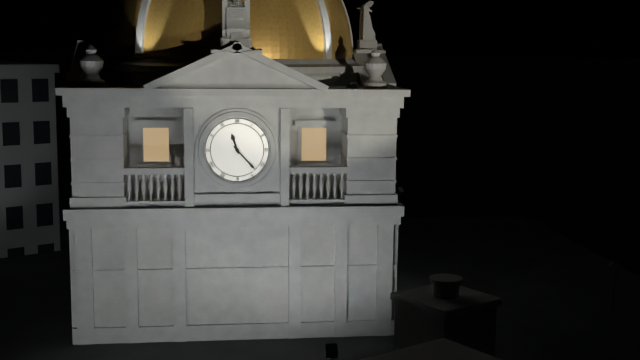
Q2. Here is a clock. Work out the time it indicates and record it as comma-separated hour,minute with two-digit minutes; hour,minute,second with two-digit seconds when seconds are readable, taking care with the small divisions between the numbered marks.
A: 11,23
